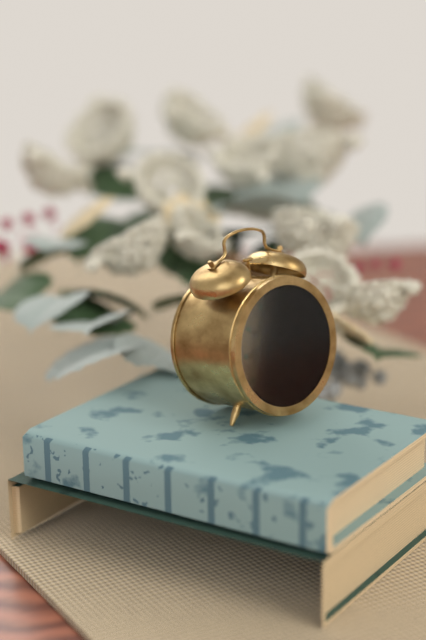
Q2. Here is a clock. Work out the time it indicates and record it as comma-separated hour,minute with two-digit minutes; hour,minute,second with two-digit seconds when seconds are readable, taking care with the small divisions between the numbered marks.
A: 5,24
